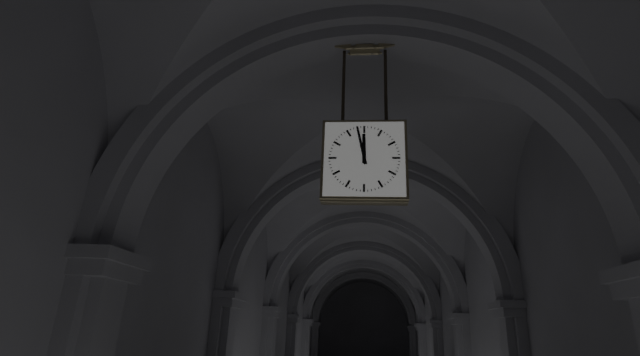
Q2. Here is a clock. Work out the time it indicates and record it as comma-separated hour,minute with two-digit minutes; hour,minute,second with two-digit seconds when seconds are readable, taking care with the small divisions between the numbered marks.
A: 11,58
